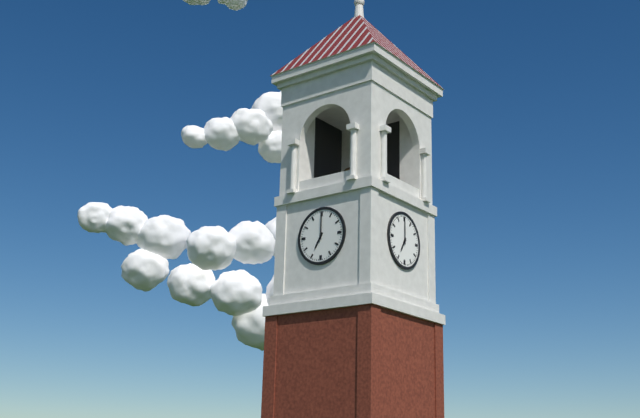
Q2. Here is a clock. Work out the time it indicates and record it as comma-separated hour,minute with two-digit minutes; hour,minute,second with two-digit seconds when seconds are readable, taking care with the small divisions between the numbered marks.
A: 7,00
